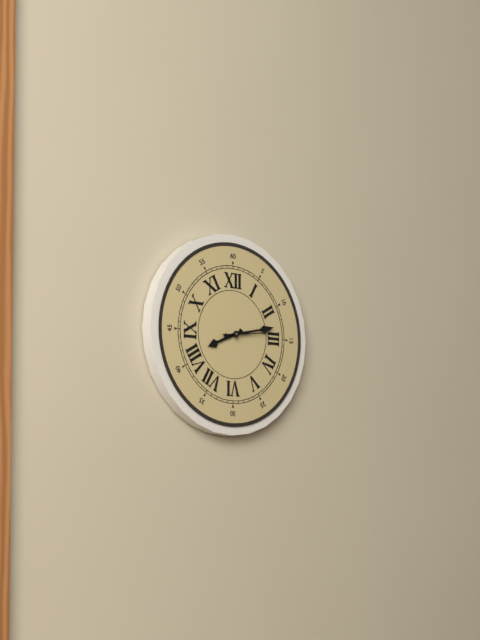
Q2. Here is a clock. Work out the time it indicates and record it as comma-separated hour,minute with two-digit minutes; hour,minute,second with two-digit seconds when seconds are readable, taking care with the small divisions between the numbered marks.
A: 8,13,14
